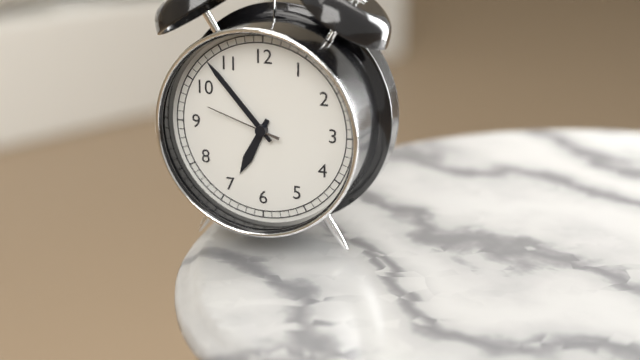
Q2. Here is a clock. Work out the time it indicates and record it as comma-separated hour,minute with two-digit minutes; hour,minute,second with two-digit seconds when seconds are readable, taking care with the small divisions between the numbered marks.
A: 6,53,48
